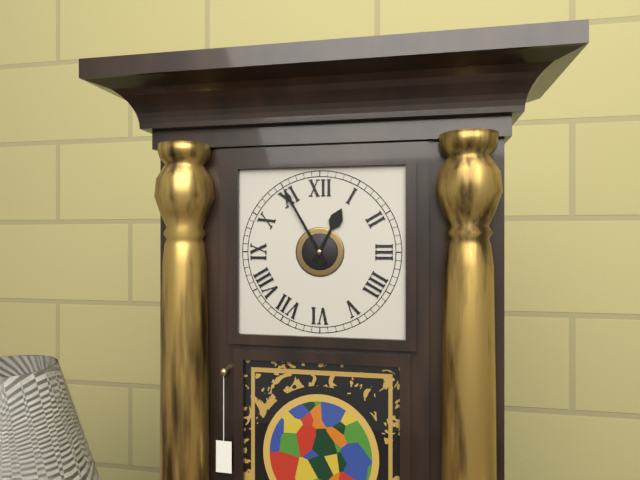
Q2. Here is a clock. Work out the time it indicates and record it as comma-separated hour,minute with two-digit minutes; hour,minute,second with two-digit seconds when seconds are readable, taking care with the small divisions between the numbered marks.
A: 12,55
